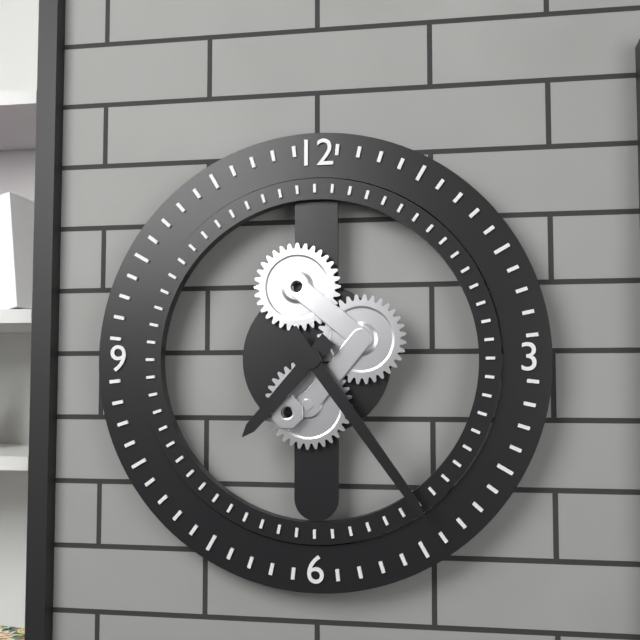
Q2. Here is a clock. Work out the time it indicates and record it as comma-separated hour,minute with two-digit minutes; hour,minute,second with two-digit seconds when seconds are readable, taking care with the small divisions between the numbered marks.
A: 7,24
